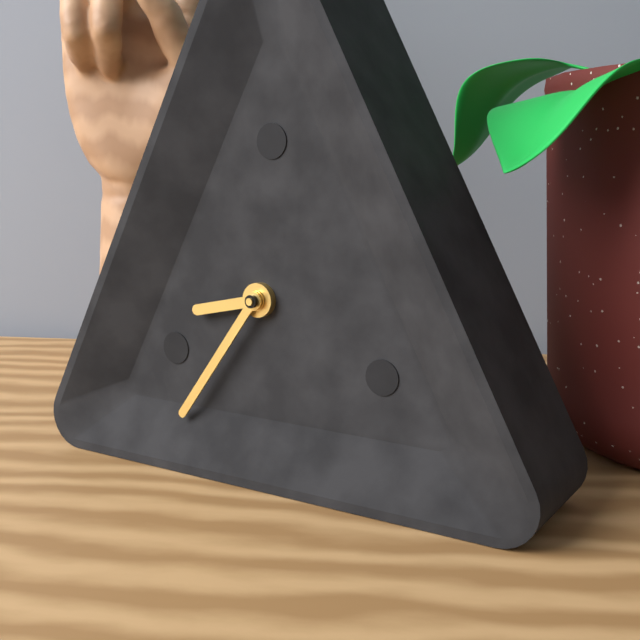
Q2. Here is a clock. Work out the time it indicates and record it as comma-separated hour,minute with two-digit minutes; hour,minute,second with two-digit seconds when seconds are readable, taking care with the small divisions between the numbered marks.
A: 8,36
